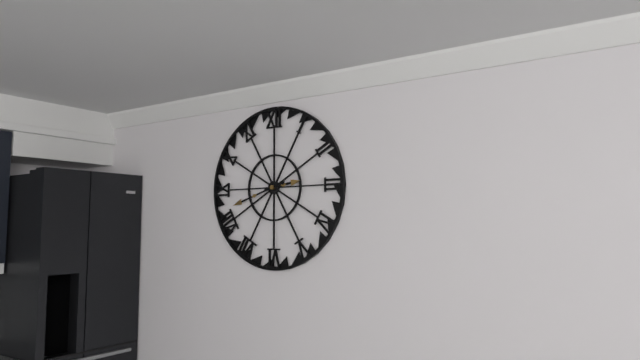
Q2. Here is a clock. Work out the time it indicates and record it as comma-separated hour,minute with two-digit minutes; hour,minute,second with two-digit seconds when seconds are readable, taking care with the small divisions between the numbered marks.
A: 2,42
